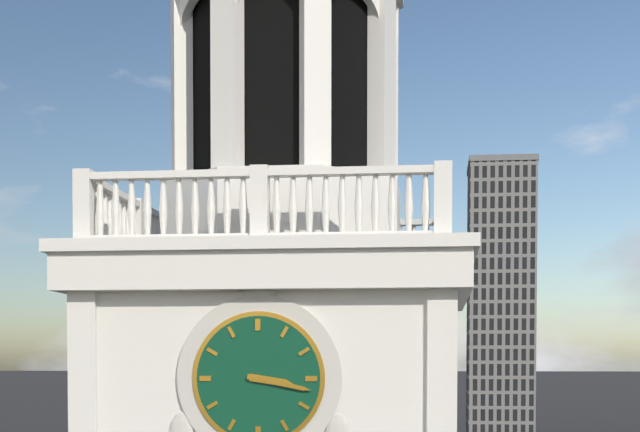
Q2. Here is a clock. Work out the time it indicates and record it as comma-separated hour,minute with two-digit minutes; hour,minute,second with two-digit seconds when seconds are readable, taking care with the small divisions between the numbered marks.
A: 3,17
